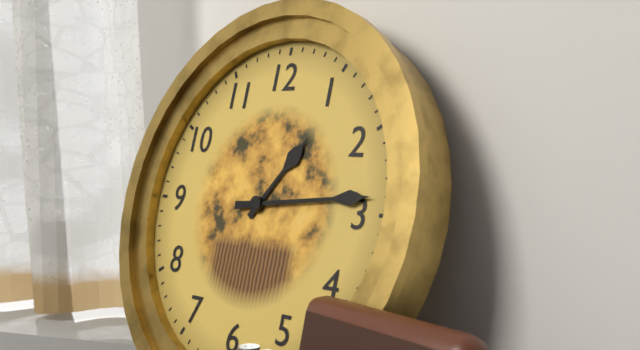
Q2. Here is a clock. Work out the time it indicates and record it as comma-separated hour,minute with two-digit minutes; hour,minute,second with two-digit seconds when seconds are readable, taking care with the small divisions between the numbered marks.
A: 1,14
